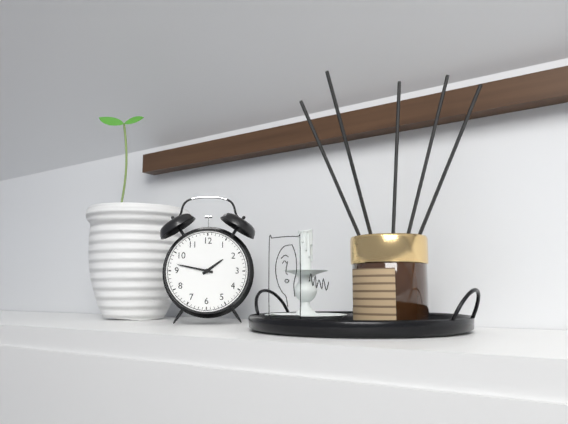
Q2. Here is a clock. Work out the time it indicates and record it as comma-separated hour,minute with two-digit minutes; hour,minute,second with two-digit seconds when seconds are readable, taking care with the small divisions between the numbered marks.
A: 1,47
